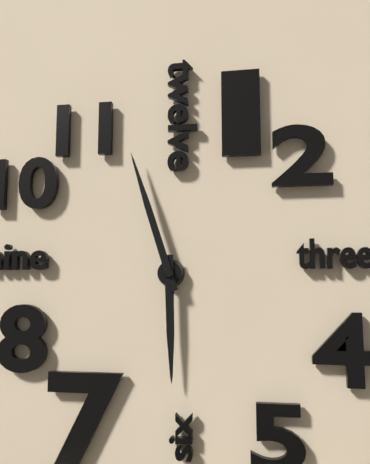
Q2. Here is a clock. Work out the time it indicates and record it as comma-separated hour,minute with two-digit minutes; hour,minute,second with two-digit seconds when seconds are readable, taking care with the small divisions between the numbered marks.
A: 5,57
